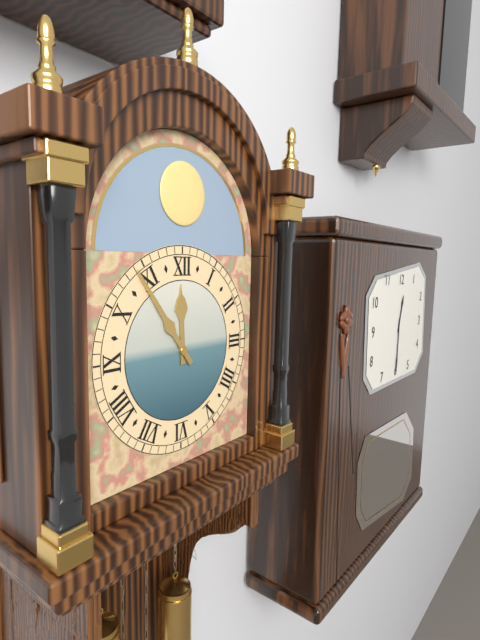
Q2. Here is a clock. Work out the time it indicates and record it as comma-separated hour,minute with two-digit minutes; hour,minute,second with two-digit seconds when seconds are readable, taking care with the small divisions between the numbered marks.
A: 11,54
